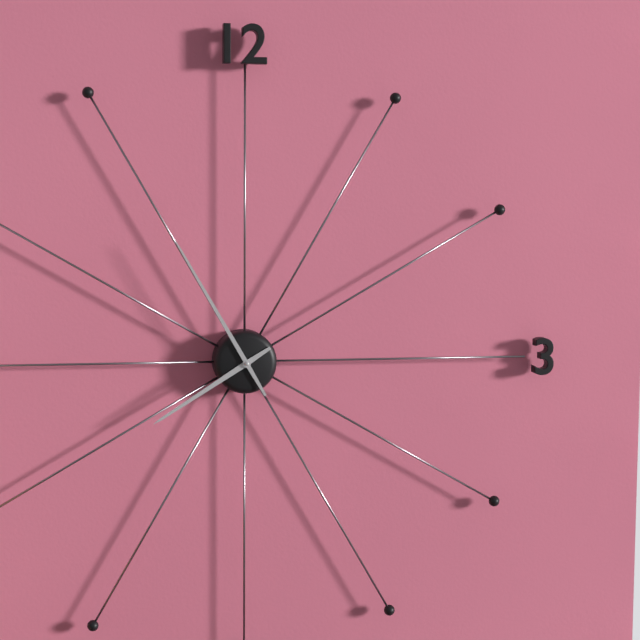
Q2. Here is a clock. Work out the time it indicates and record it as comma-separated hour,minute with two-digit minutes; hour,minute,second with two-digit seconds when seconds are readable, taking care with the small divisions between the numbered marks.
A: 7,55
